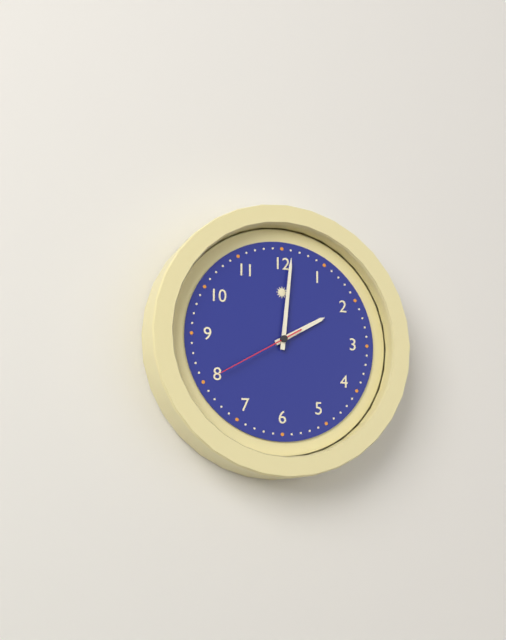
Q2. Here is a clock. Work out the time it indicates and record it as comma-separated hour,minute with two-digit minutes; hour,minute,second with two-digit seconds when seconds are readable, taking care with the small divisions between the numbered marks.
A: 2,01,40
